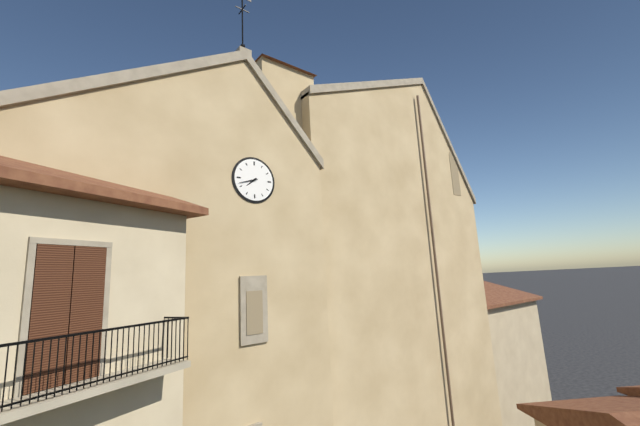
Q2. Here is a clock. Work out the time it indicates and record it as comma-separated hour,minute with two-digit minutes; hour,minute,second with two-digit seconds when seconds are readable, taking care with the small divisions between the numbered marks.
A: 7,42
